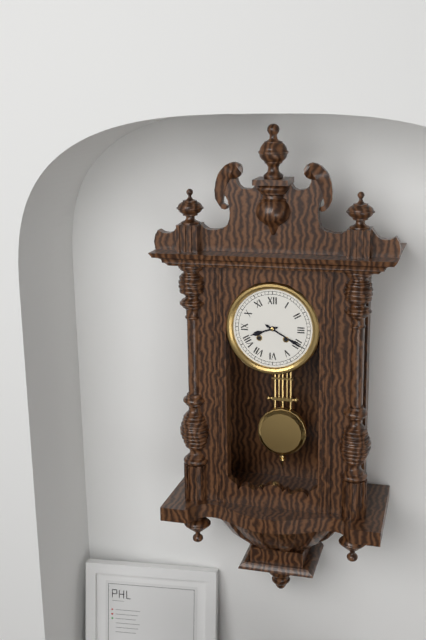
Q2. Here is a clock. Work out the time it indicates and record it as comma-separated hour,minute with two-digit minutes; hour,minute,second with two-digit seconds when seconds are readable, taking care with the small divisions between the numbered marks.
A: 8,20
